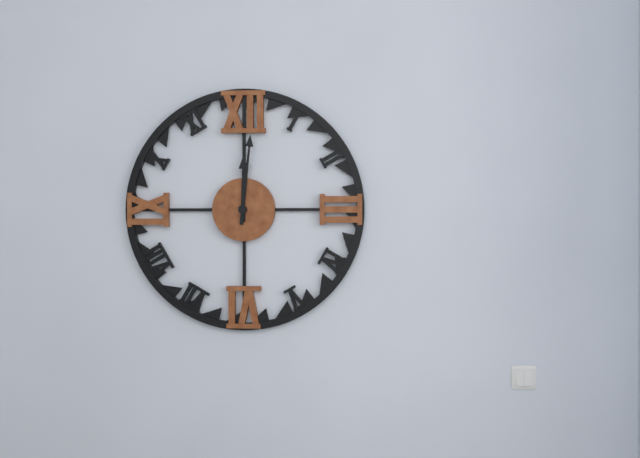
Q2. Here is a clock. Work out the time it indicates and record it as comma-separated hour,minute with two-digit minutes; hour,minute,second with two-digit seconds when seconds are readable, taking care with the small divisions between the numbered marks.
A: 12,01
